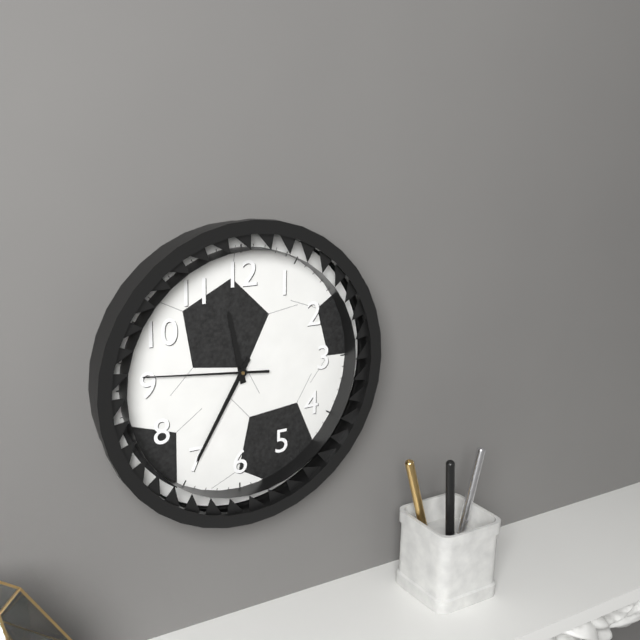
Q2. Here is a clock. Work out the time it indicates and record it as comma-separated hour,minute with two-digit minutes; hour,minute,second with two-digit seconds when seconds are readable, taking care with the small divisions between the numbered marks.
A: 11,35,46
